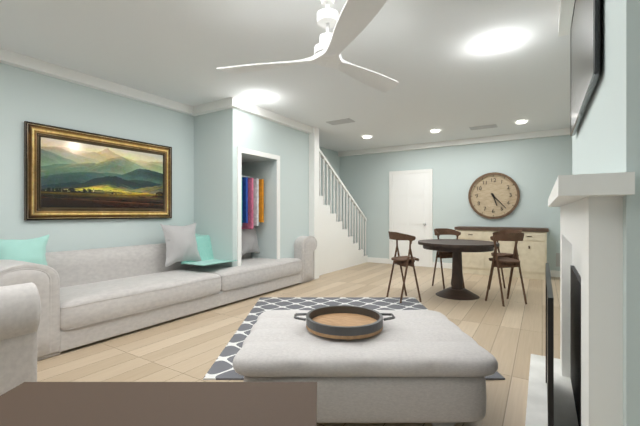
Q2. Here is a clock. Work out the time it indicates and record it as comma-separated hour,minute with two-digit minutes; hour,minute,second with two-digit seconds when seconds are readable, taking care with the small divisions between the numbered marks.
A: 5,23
